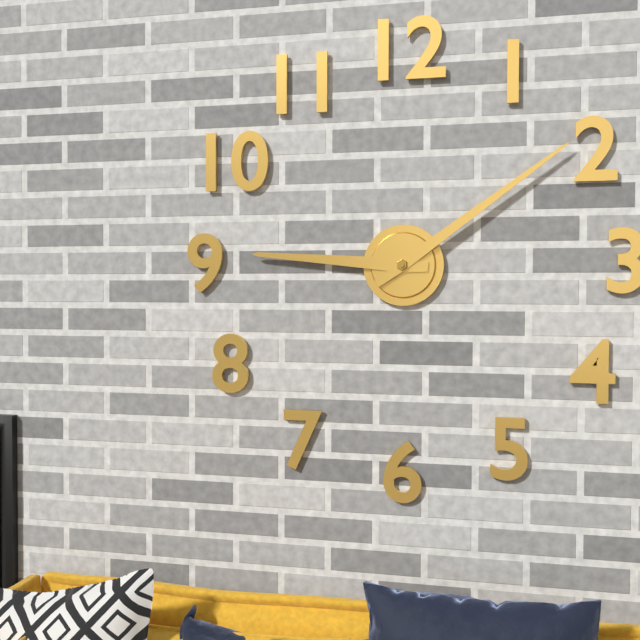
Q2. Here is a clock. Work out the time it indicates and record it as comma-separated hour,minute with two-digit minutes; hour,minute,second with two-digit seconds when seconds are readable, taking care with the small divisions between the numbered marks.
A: 9,09
